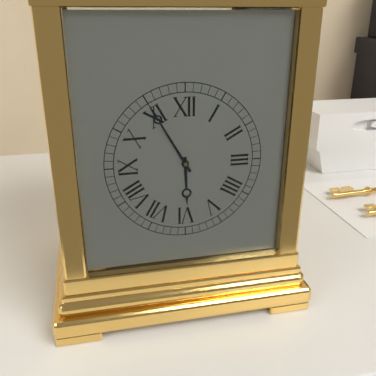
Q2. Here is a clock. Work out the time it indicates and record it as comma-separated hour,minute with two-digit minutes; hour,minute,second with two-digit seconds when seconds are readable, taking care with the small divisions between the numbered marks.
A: 5,55
